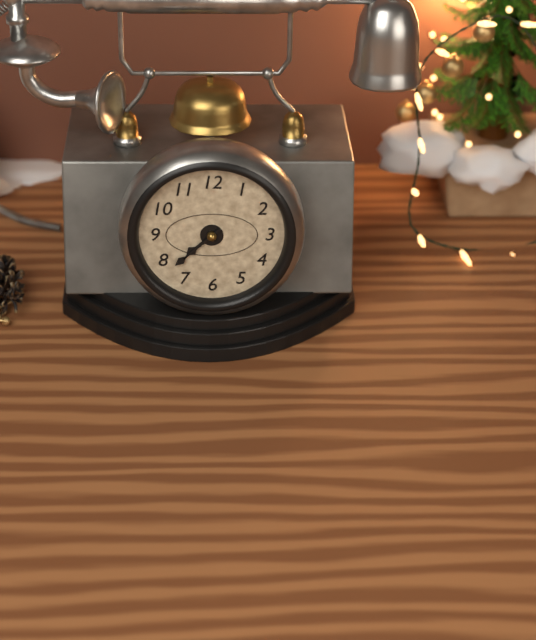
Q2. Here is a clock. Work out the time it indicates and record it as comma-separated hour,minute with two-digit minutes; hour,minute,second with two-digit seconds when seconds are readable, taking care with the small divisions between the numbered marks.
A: 7,38
